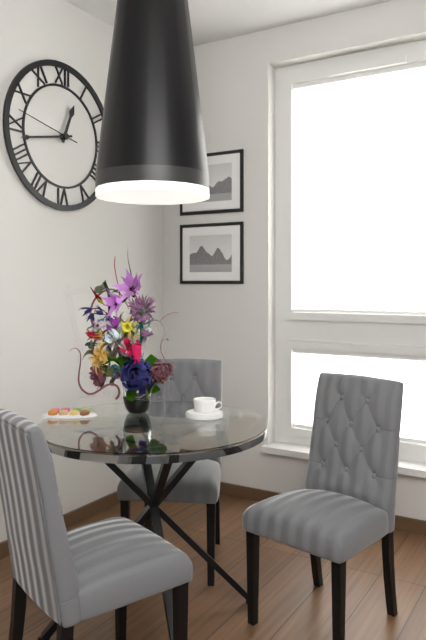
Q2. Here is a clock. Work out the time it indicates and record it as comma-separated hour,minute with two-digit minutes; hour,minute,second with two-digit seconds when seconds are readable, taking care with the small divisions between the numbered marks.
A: 12,43,47
